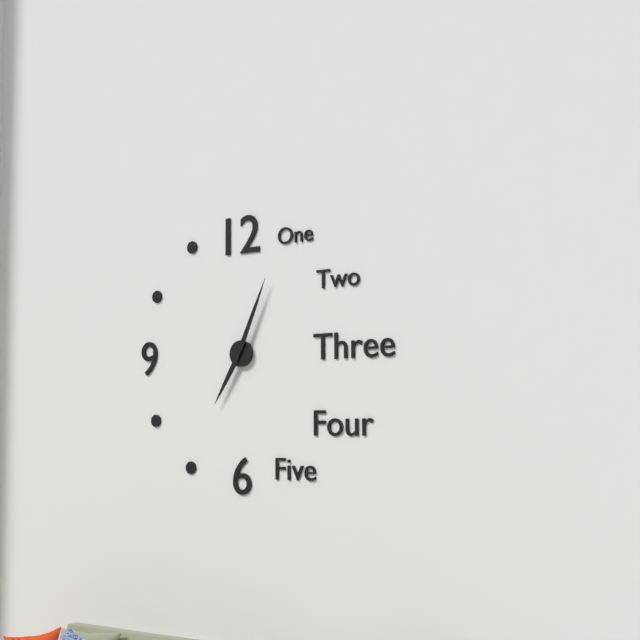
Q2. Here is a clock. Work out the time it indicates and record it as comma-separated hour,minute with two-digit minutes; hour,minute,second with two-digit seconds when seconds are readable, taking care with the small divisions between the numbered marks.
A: 7,04
